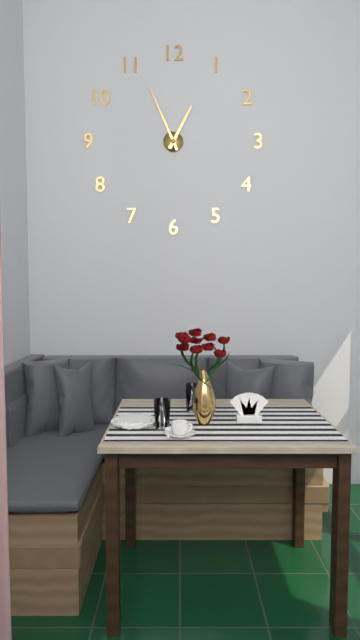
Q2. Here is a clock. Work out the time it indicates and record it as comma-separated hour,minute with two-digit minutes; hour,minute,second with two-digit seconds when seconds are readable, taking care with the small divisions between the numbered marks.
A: 12,56
